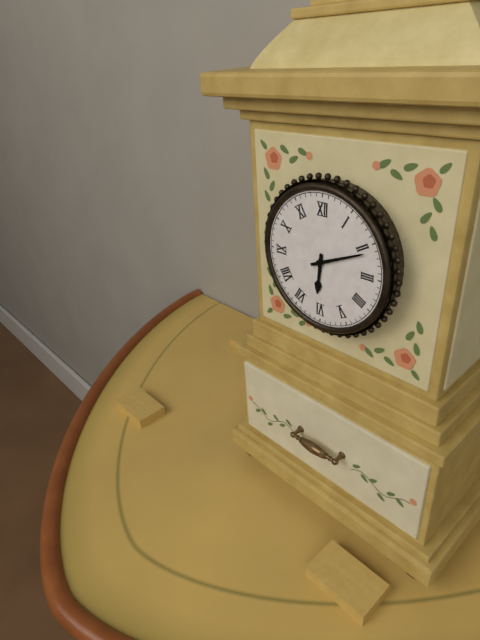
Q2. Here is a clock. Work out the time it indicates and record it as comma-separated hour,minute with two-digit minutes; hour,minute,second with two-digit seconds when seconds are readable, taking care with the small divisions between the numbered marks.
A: 6,11
